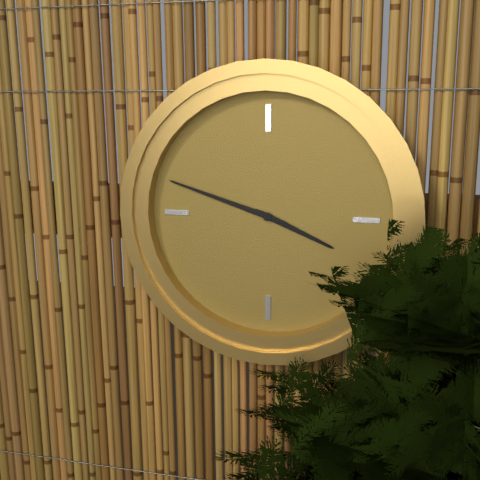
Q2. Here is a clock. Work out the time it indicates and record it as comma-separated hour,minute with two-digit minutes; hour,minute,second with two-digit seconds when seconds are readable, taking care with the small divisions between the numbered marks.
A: 3,48
